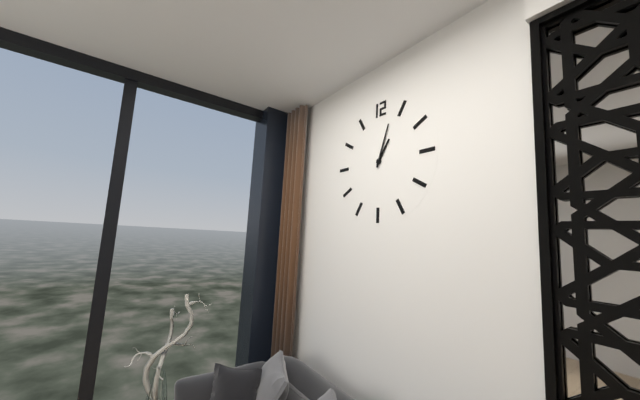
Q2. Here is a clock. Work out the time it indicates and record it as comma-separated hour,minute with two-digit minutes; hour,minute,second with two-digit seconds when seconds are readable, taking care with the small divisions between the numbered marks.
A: 1,03
